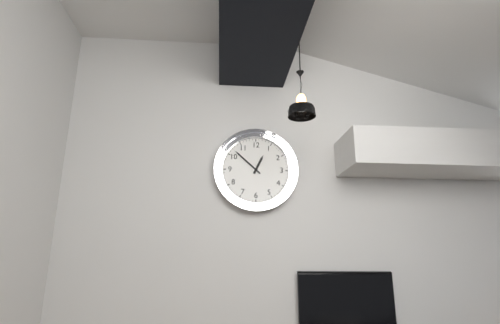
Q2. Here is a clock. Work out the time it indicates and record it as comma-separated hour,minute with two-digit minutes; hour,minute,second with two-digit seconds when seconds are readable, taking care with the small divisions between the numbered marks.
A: 12,52
